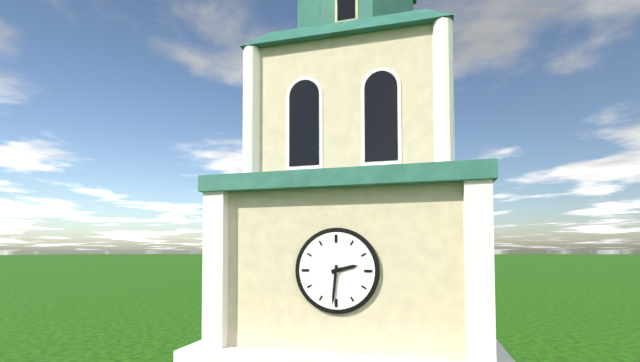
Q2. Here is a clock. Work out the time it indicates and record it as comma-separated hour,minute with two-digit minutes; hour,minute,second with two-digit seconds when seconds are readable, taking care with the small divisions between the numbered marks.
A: 2,31
